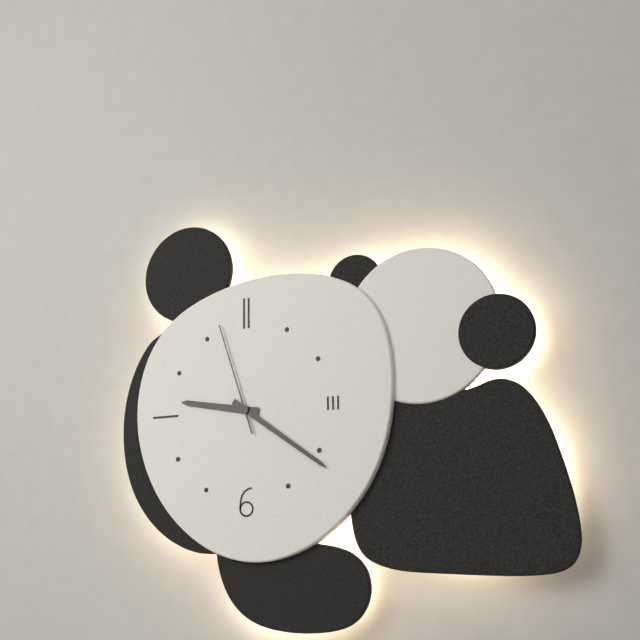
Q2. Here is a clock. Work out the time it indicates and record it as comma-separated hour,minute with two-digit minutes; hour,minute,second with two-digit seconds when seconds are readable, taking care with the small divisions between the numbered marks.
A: 9,21,57
